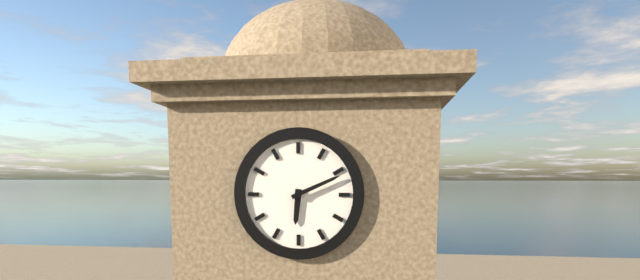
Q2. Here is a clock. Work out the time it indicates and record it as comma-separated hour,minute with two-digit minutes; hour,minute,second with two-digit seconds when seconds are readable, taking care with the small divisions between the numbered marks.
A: 6,11
